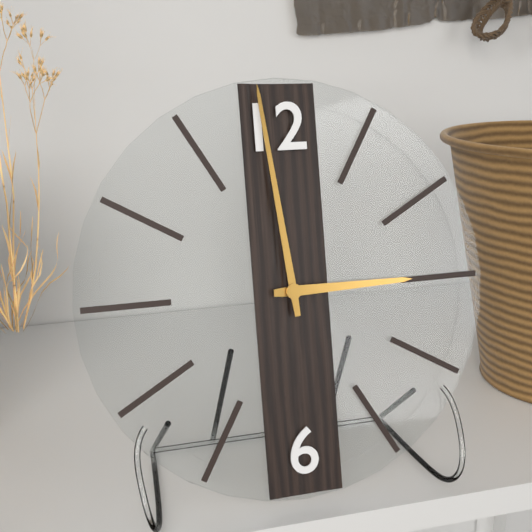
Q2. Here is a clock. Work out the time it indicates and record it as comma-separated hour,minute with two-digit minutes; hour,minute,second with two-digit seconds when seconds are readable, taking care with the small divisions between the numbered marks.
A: 2,59
